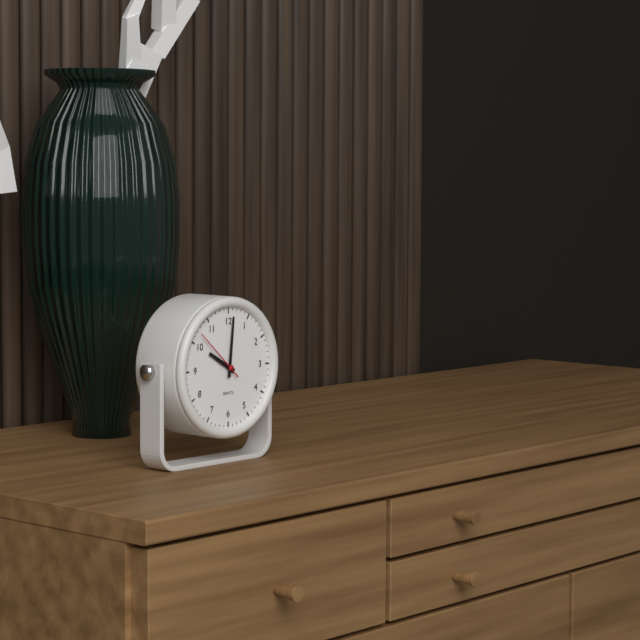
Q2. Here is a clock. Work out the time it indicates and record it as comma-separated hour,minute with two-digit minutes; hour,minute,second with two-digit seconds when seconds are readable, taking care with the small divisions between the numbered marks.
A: 10,01,52
